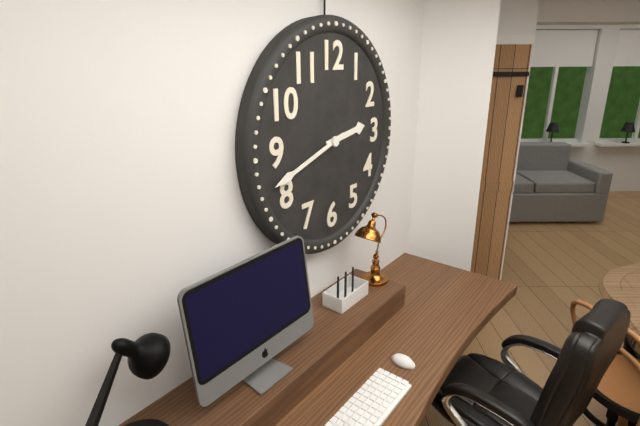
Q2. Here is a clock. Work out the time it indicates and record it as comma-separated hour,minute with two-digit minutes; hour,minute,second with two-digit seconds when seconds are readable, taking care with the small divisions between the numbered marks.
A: 2,42
